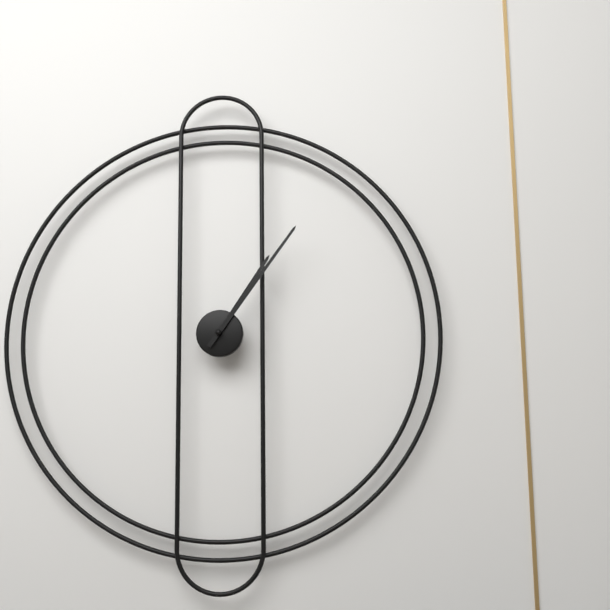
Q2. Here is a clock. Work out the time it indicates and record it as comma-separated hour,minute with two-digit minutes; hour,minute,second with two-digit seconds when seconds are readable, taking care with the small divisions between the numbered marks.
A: 1,06
